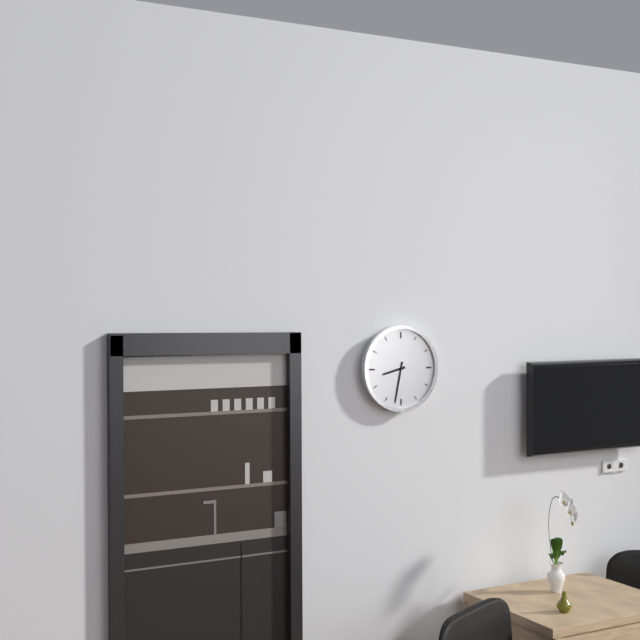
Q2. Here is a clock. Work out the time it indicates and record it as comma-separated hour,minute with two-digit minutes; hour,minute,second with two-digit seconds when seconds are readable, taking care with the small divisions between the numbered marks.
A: 8,32
